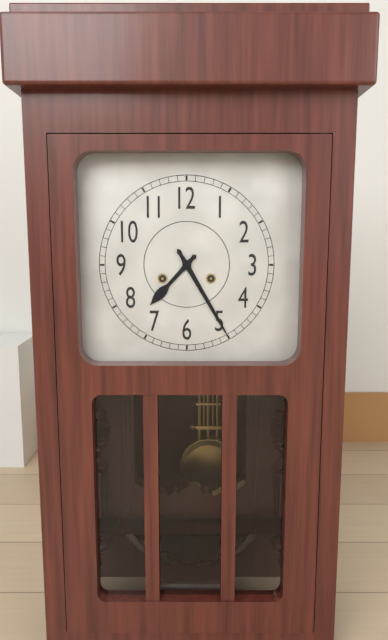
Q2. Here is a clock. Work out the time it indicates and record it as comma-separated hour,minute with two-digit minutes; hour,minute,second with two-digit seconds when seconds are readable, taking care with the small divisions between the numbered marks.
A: 7,25
